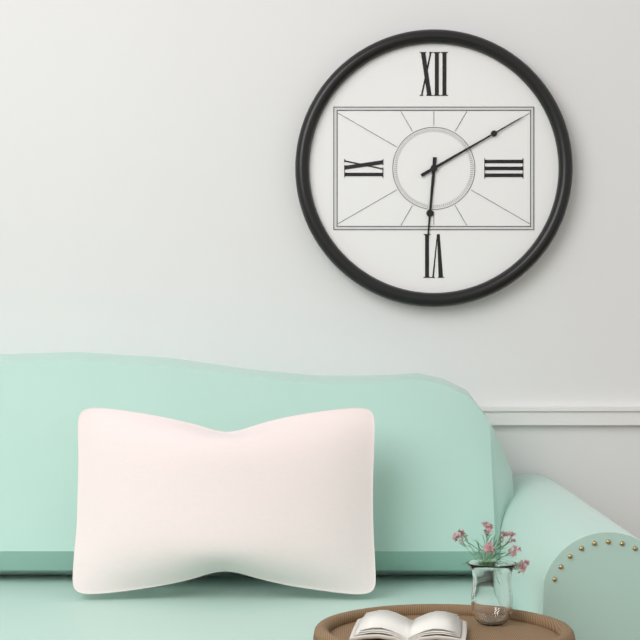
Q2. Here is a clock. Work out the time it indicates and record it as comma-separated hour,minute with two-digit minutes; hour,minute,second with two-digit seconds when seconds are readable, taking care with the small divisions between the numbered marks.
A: 6,10
